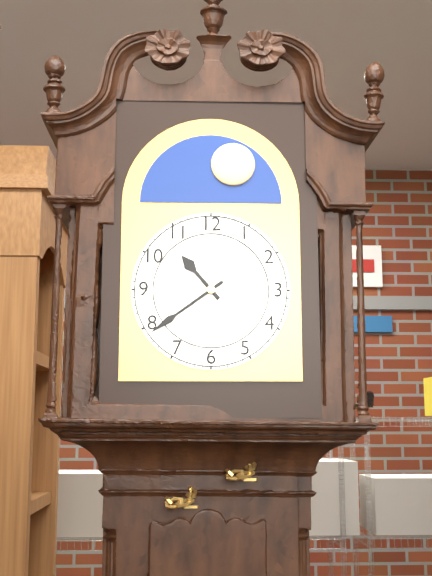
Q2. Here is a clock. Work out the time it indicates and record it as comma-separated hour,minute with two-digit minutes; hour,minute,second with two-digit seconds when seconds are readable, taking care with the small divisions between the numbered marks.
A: 10,39
